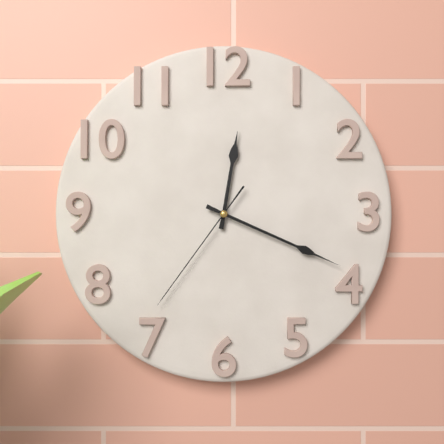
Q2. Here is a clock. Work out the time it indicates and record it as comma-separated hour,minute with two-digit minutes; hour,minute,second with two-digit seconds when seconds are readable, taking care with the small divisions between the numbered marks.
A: 12,19,36
